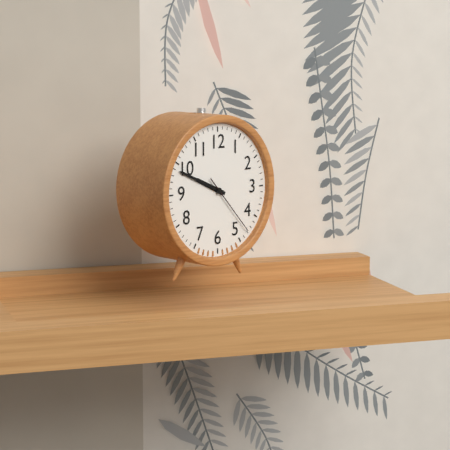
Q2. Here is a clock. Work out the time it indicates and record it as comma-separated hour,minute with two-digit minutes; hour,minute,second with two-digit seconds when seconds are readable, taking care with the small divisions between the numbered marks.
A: 9,49,23
